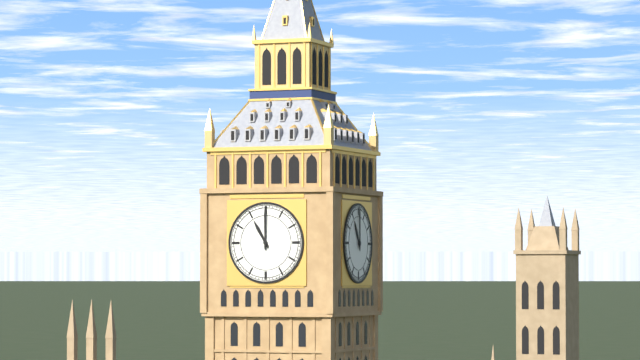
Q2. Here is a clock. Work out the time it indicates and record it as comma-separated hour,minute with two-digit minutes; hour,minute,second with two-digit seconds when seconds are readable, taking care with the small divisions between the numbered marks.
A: 11,00
